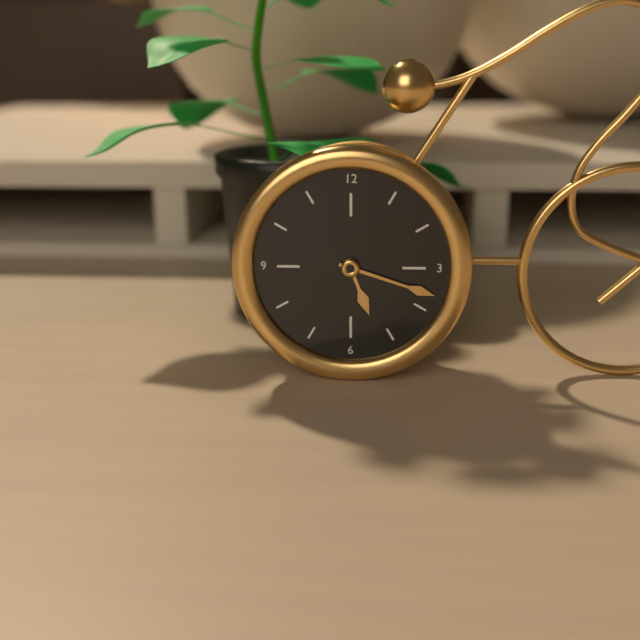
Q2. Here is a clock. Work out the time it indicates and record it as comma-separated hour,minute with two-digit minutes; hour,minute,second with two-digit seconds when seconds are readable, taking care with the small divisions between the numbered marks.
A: 5,18
